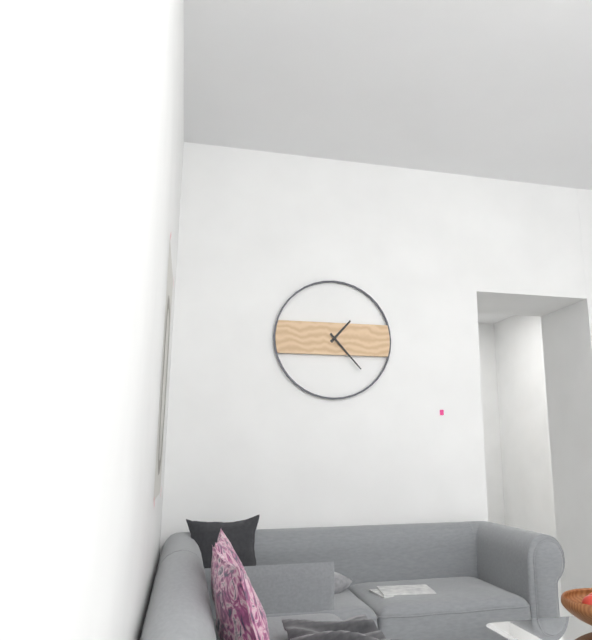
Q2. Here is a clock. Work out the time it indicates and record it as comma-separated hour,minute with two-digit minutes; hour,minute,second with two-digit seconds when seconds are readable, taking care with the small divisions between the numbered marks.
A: 1,23
